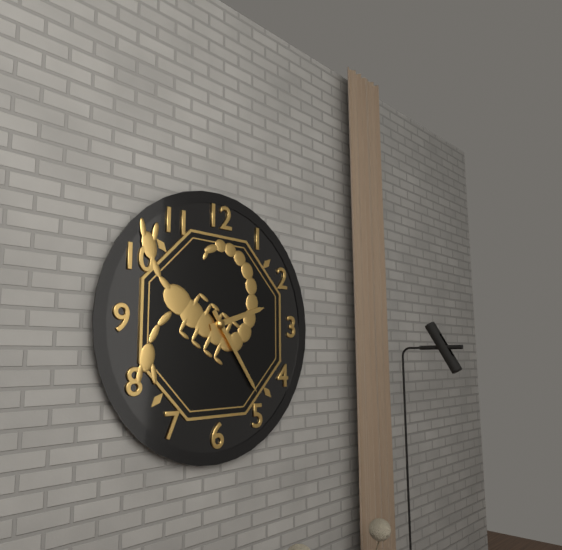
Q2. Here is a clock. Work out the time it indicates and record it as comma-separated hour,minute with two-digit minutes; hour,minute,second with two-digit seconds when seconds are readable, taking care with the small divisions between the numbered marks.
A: 2,24
